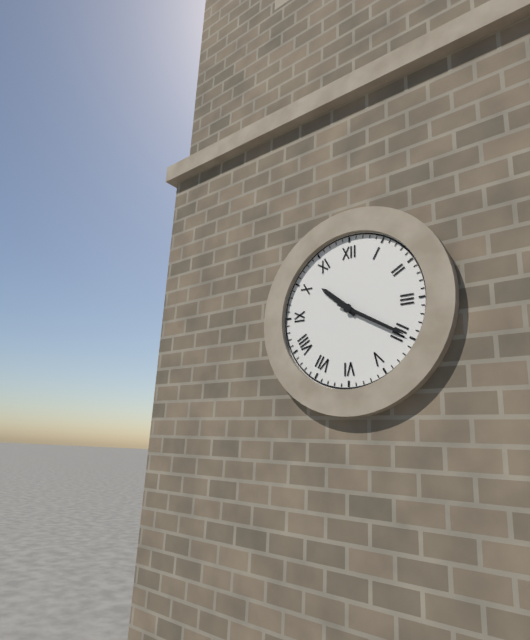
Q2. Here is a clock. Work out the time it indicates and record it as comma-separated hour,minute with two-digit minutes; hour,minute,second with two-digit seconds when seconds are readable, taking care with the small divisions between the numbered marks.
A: 10,20
